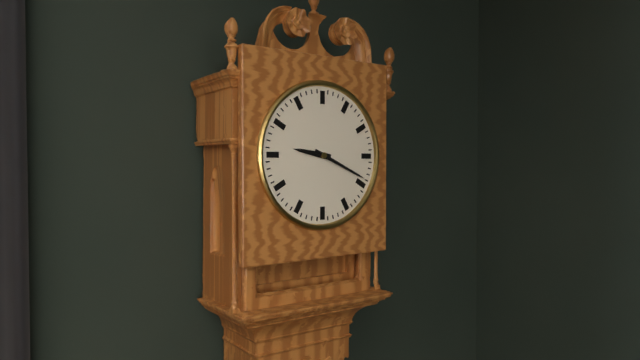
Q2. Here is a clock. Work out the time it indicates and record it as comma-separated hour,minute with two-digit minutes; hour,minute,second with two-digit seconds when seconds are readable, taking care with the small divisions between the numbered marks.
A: 9,19
